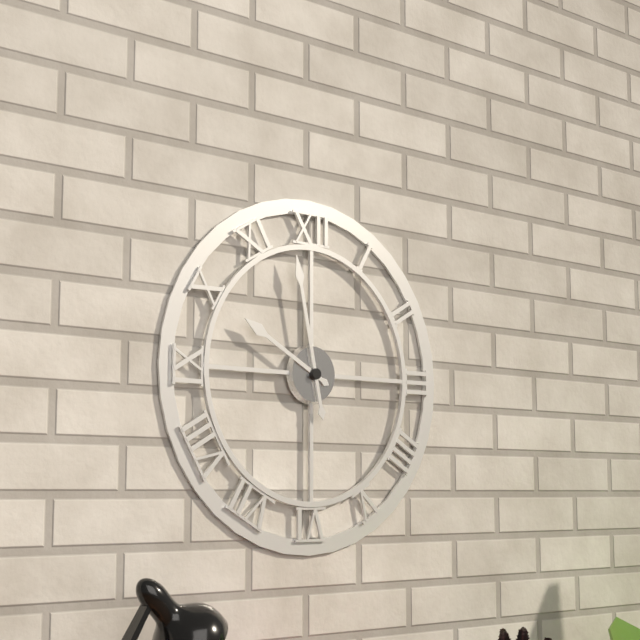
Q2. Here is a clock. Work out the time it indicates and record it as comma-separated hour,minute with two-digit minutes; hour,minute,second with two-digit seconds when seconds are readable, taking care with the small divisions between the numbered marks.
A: 9,58
